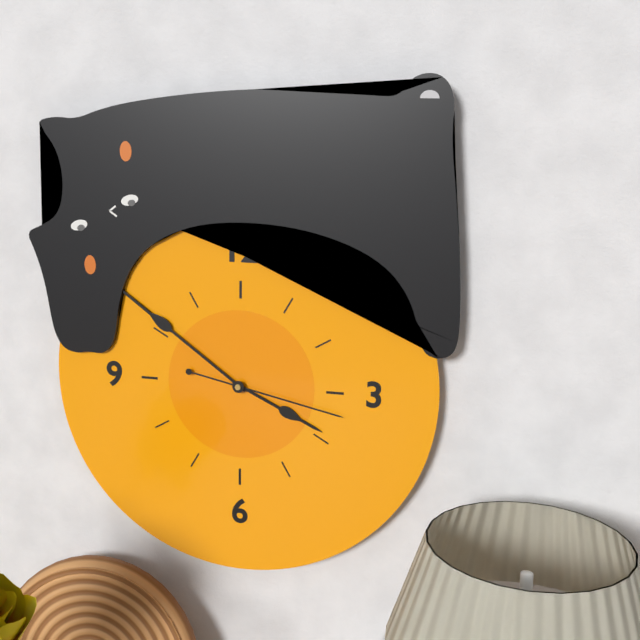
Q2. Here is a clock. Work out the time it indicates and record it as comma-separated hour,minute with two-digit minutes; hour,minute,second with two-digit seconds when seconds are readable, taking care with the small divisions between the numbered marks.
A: 3,51,17
